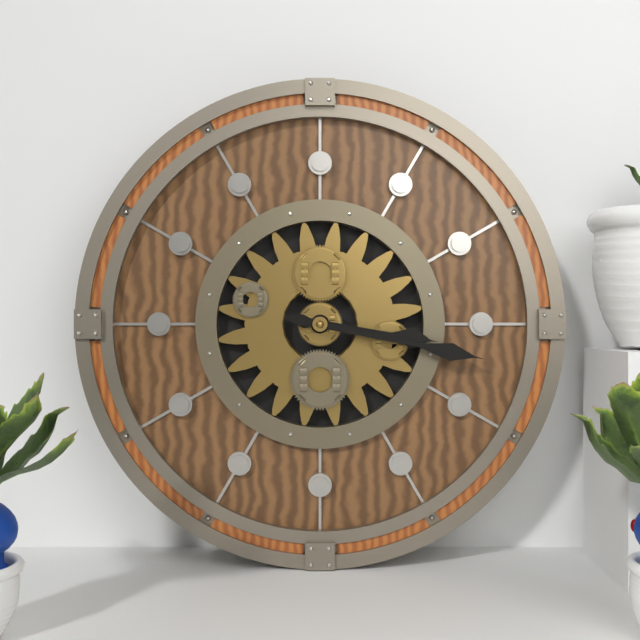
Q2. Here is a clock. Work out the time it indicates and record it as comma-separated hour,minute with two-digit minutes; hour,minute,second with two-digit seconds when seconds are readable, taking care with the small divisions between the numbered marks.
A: 3,17
